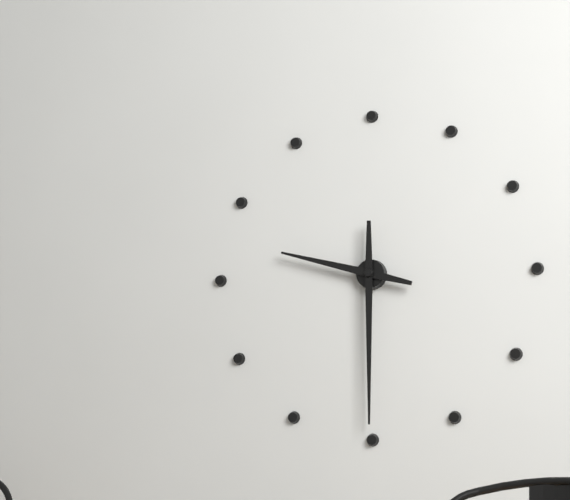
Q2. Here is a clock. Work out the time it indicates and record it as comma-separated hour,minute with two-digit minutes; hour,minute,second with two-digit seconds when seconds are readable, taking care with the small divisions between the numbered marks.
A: 9,30
